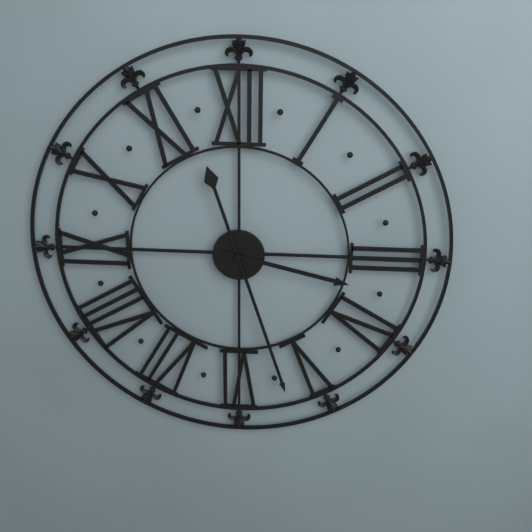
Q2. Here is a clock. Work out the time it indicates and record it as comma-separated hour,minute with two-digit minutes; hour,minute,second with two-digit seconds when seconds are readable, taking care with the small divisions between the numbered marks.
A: 3,27
